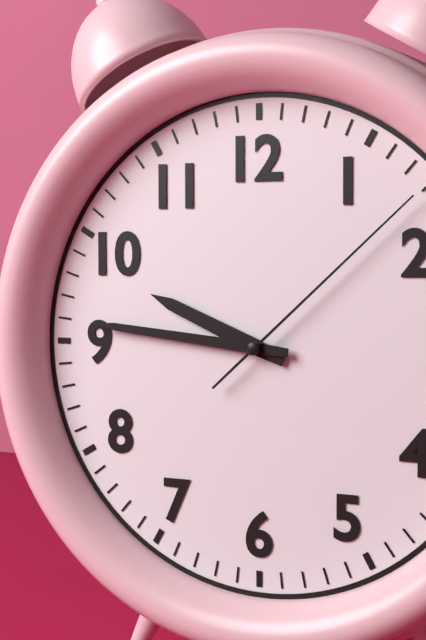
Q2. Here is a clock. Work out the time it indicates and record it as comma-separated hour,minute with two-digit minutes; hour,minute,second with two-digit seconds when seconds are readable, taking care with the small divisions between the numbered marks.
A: 9,46,08
